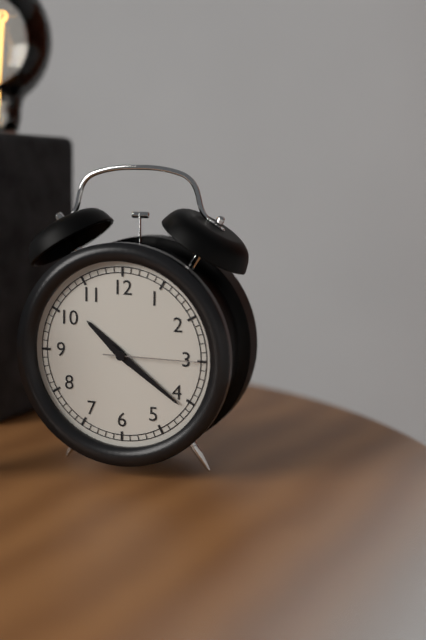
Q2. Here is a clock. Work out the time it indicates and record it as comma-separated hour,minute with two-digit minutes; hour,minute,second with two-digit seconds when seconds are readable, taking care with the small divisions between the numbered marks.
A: 10,21,15
